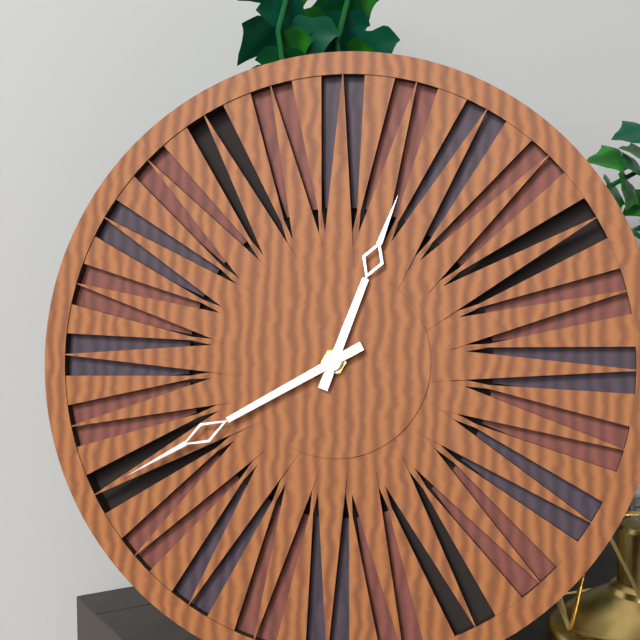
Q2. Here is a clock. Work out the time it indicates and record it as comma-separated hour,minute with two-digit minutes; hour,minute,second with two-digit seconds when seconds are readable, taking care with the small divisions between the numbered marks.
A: 12,40
